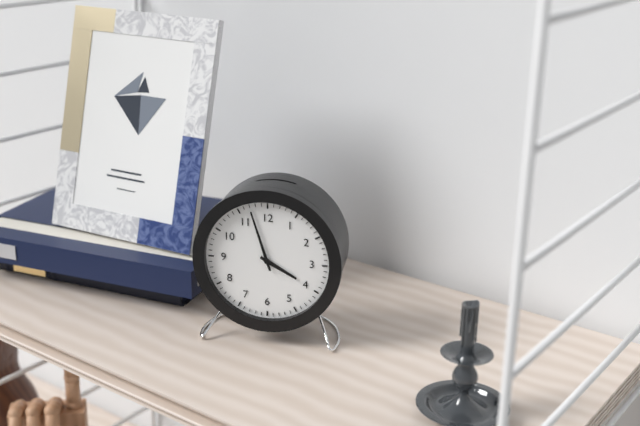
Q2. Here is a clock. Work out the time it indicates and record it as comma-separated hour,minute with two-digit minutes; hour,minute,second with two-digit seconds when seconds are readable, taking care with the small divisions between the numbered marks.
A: 3,57
